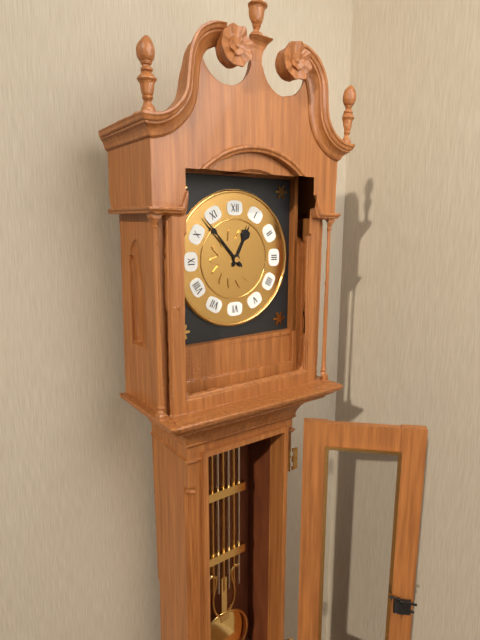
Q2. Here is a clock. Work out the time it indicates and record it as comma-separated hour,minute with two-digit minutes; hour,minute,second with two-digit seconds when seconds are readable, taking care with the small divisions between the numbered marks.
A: 12,53
